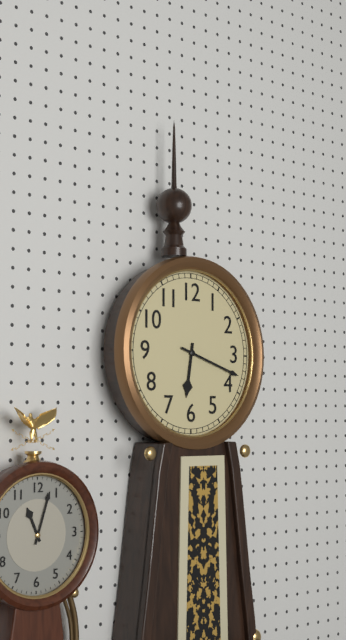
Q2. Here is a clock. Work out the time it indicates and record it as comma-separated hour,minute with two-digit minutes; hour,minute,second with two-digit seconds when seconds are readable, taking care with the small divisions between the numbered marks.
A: 6,18
